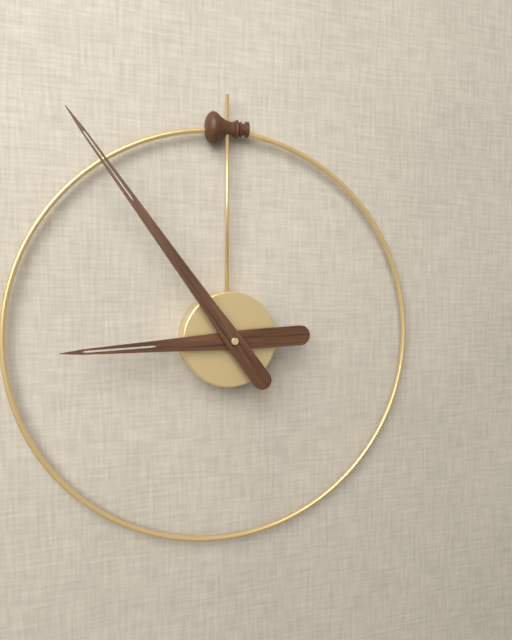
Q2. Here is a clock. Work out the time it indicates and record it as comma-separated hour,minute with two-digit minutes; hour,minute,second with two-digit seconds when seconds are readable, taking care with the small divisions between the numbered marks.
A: 8,54
